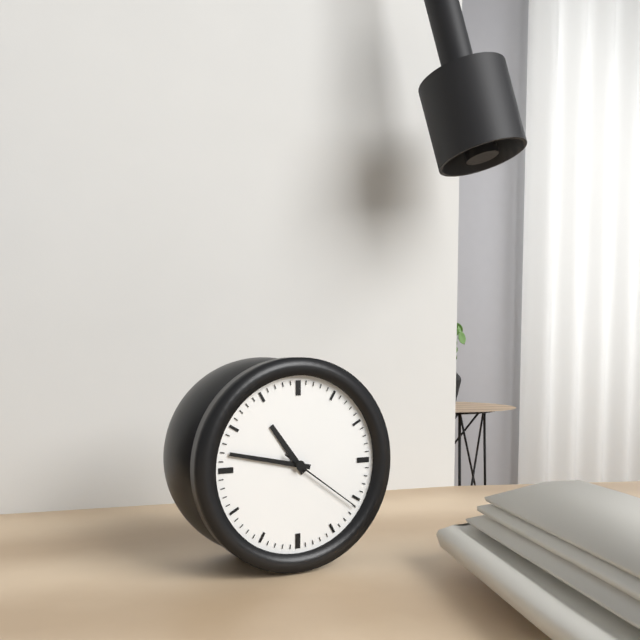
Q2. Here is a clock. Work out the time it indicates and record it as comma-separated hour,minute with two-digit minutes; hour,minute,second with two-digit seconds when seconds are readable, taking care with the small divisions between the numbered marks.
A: 10,47,21
